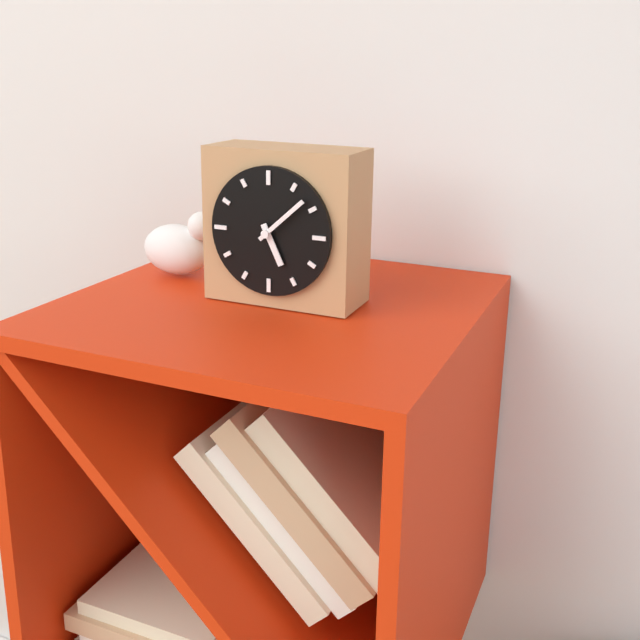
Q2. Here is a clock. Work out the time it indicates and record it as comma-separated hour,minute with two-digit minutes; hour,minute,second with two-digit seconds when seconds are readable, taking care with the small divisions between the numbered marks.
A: 5,08
